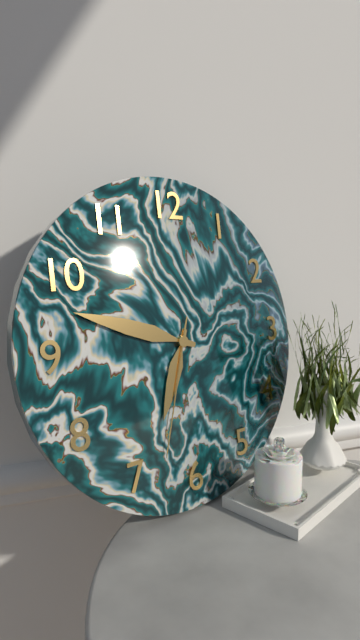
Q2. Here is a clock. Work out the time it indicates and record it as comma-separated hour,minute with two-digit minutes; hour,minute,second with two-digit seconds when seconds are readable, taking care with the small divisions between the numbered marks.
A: 6,48,33
